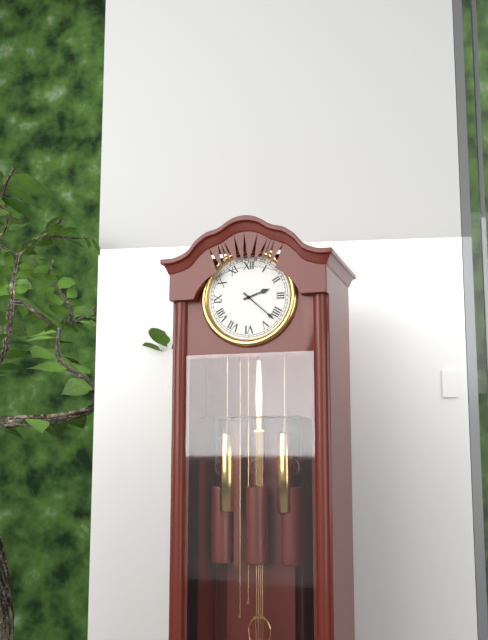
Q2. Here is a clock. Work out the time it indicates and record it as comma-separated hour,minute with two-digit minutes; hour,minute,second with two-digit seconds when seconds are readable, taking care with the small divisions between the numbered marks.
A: 2,22
